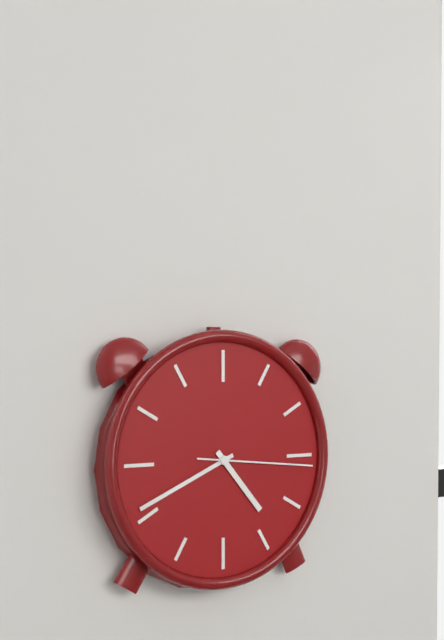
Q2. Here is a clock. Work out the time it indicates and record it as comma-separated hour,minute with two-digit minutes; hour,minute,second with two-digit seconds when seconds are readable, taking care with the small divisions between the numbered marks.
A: 4,41,16
